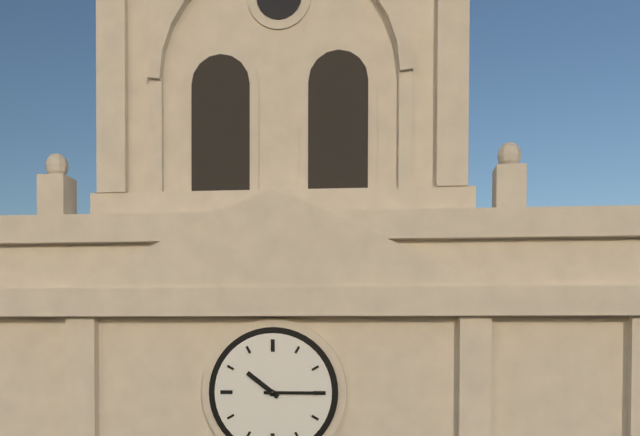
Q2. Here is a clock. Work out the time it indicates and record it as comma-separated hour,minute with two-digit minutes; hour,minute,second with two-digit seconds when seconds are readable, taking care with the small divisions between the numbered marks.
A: 10,15
